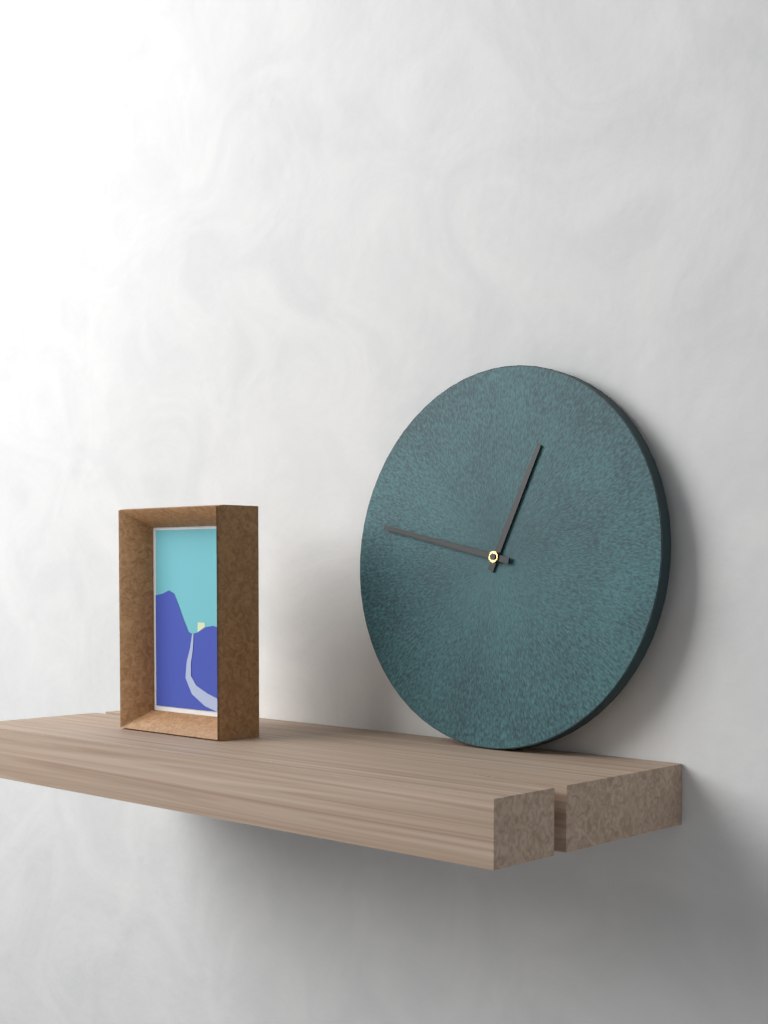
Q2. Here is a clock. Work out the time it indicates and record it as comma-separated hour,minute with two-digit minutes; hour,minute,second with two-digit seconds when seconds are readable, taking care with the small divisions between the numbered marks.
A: 12,47
